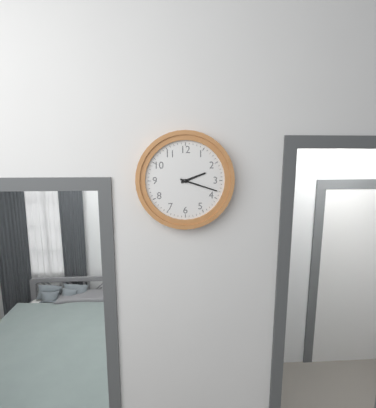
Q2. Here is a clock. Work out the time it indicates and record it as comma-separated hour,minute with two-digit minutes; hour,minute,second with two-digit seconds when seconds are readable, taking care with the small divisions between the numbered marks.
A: 2,18
